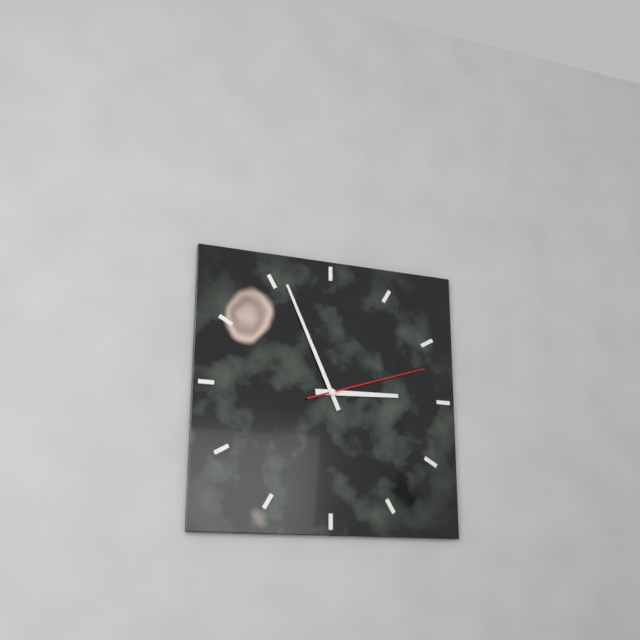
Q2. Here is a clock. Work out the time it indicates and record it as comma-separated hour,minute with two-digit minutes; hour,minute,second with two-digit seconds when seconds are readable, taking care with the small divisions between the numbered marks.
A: 2,56,12
